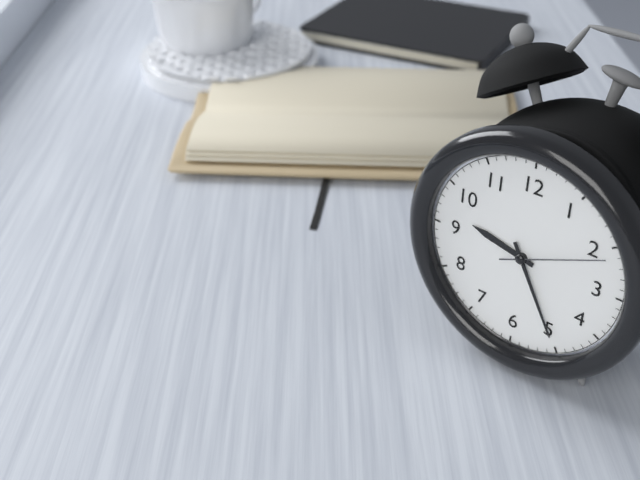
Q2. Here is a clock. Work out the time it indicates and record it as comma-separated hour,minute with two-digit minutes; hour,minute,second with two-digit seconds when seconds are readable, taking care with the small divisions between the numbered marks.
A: 9,25,11
